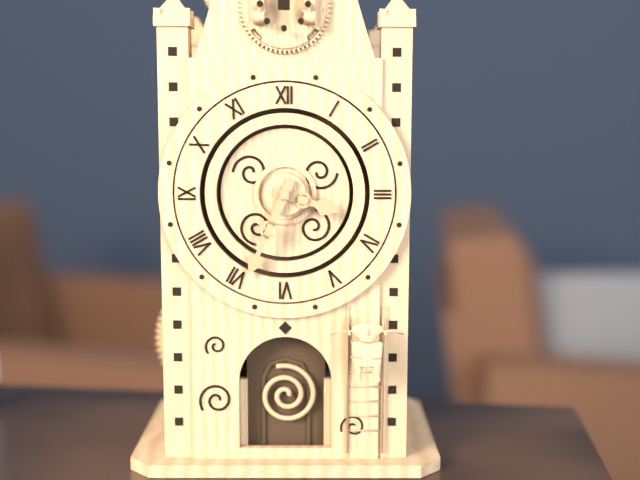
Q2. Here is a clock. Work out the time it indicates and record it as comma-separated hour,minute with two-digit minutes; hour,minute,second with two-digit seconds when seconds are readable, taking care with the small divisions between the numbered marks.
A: 3,34
